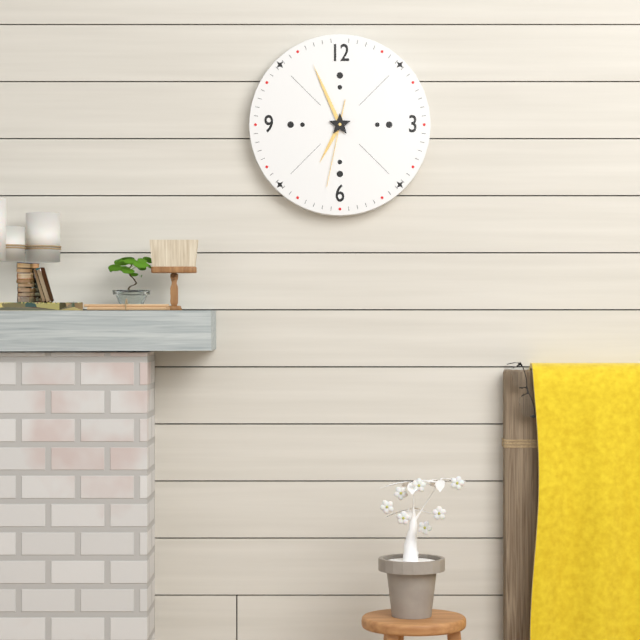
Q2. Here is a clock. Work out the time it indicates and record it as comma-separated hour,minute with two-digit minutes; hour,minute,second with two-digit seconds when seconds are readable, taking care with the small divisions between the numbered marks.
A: 6,56,32
